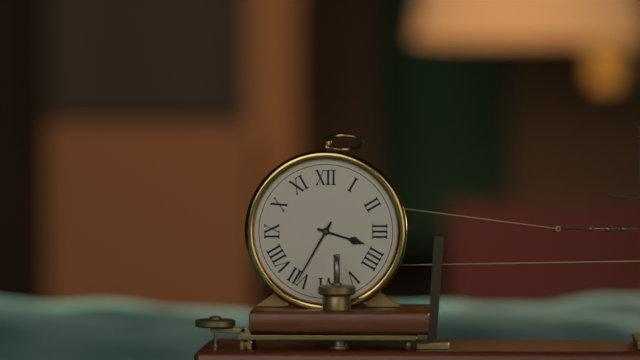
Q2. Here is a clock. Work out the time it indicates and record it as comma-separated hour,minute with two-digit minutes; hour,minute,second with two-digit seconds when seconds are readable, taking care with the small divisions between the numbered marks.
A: 3,35
